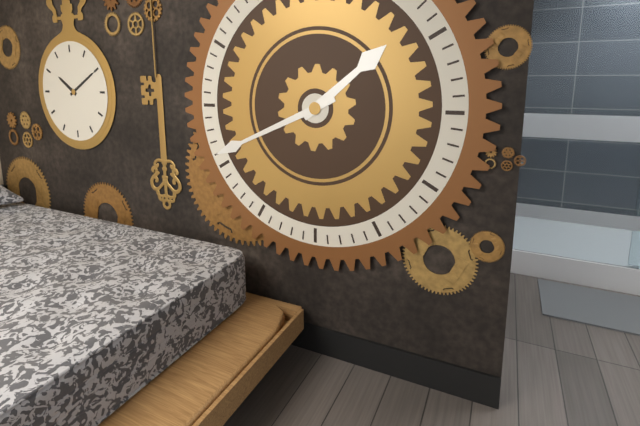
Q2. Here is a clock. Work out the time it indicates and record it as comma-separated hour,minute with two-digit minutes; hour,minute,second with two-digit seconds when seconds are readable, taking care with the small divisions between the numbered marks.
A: 1,41
